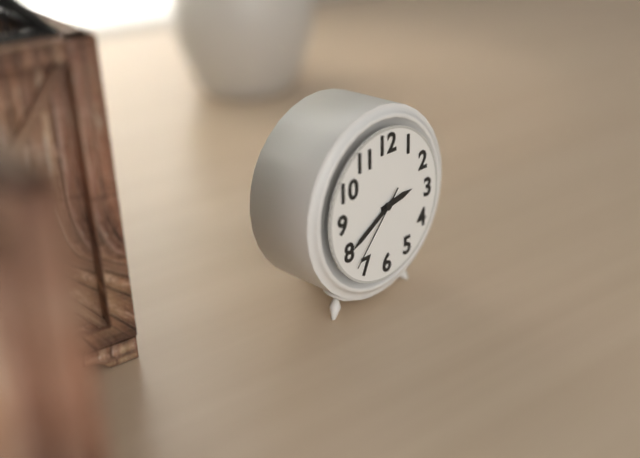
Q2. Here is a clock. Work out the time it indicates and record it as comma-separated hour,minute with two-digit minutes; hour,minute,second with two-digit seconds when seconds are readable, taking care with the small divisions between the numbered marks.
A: 2,40,37
